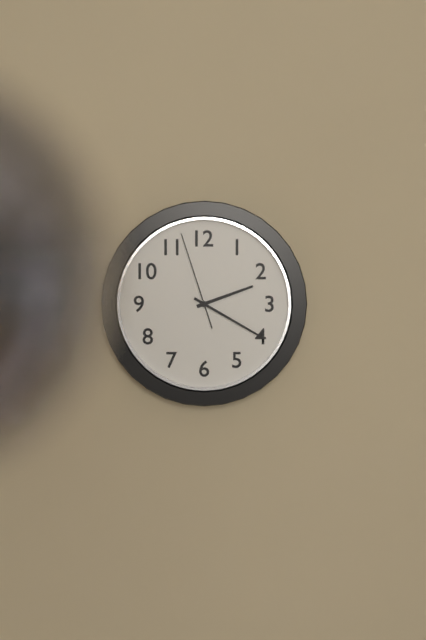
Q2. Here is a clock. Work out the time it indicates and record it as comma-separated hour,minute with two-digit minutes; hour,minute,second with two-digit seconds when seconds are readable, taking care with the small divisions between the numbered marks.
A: 2,20,57
